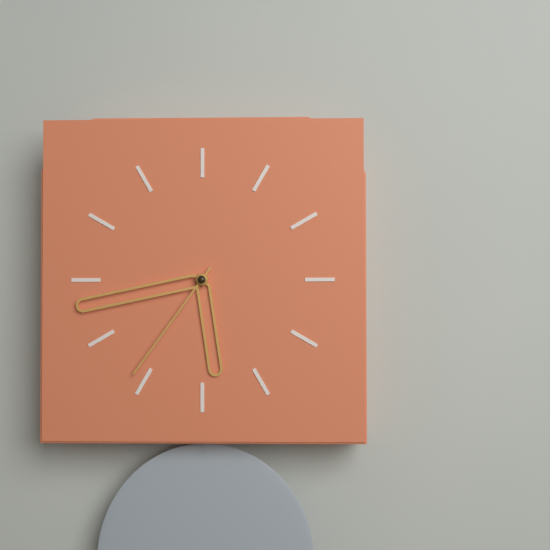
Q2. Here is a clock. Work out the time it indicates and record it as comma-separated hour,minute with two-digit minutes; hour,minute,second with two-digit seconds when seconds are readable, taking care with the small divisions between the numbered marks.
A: 5,43,36
